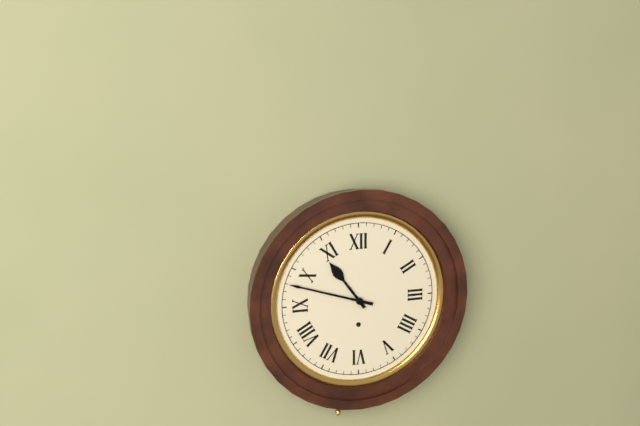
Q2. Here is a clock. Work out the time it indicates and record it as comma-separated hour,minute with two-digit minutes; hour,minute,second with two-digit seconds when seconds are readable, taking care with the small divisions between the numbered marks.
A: 10,48
